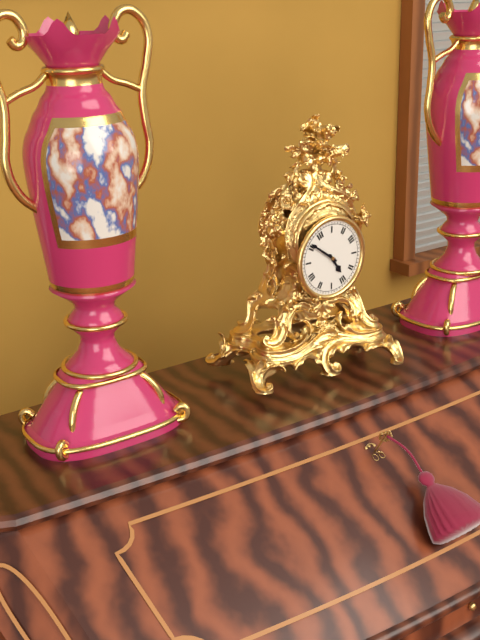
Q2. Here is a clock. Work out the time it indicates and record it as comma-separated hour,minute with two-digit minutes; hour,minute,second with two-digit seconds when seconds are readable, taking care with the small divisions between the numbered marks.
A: 4,51
